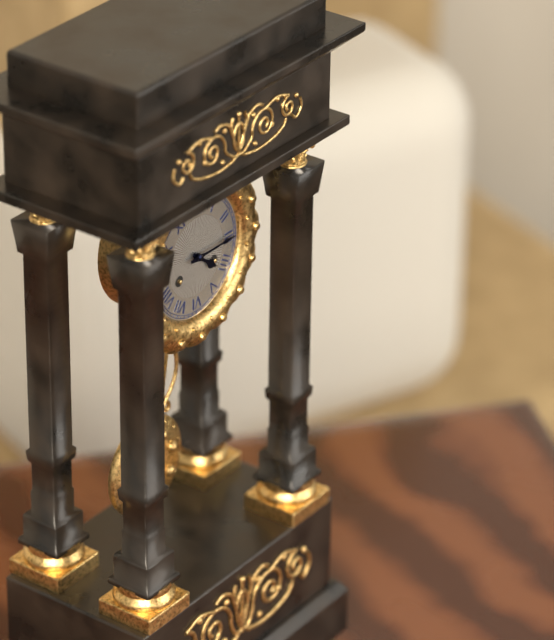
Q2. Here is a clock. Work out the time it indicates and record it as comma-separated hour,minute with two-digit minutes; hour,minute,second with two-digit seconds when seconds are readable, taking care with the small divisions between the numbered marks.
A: 4,15
